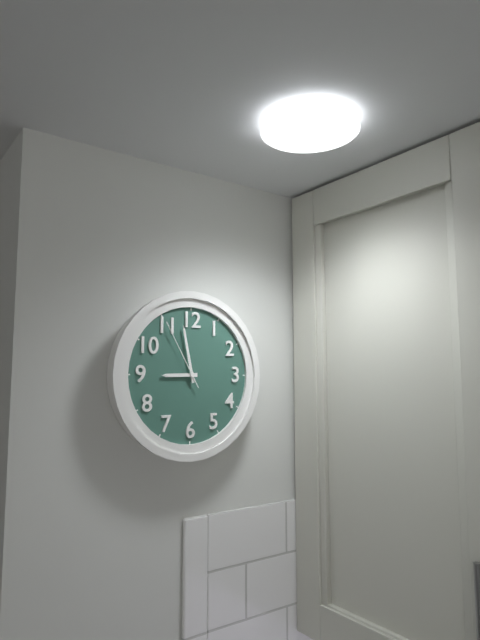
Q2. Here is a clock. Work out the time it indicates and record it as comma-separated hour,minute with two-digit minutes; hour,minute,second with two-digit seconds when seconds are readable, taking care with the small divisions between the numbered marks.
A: 8,58,55
